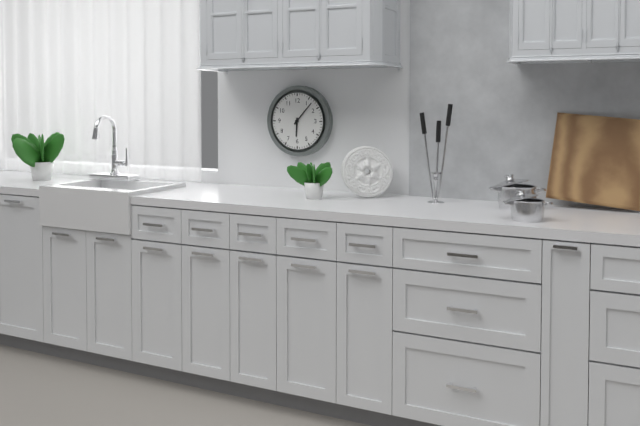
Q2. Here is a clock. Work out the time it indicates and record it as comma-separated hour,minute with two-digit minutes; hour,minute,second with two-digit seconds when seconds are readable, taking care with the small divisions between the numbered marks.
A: 6,07
